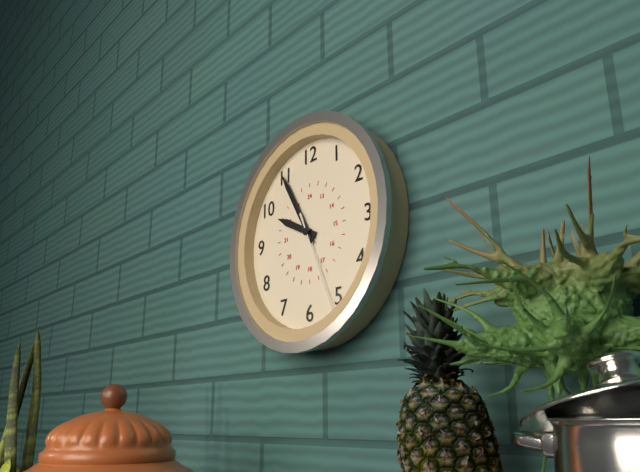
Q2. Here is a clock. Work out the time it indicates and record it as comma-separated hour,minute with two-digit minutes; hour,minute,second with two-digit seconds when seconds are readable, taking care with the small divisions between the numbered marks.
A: 9,55,26
